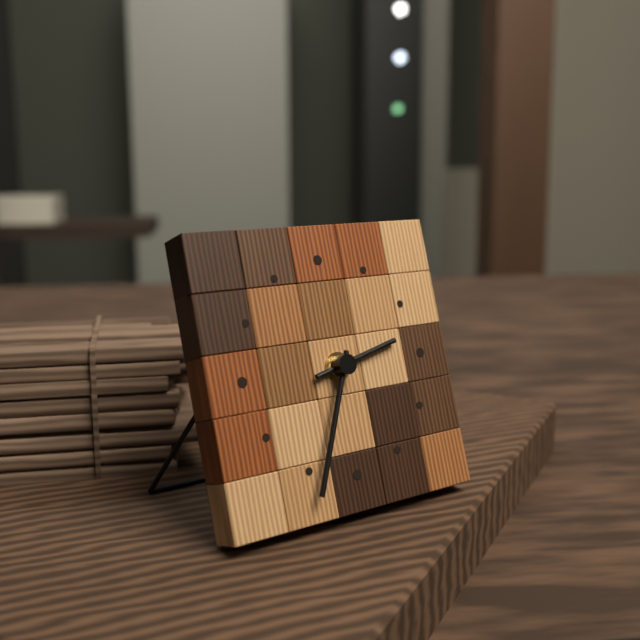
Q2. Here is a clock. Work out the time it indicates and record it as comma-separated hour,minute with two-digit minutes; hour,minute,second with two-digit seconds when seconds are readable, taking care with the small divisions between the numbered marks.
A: 2,34
